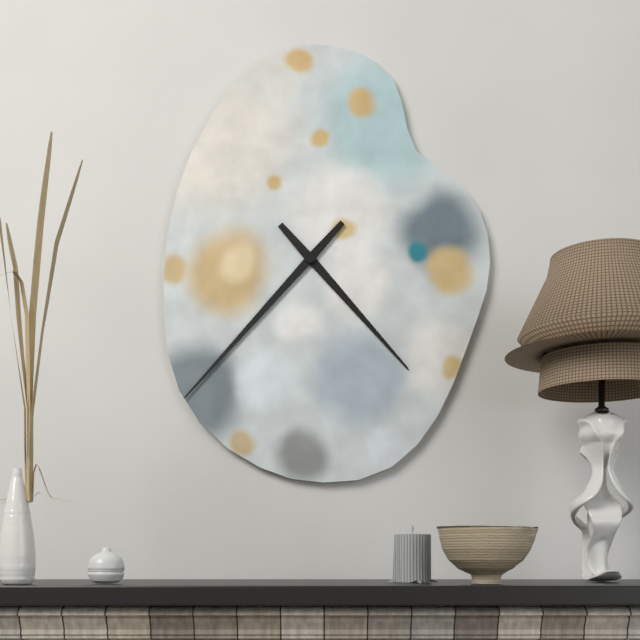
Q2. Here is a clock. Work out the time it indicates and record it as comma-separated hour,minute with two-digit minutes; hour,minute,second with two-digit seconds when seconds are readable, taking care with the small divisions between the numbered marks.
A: 4,37
